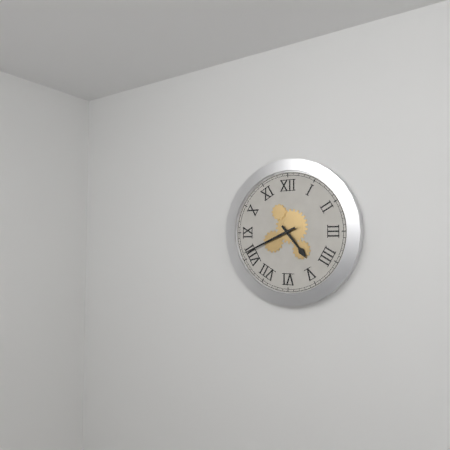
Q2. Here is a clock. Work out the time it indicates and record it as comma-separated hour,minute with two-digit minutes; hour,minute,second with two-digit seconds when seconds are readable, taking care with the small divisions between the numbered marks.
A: 4,41
